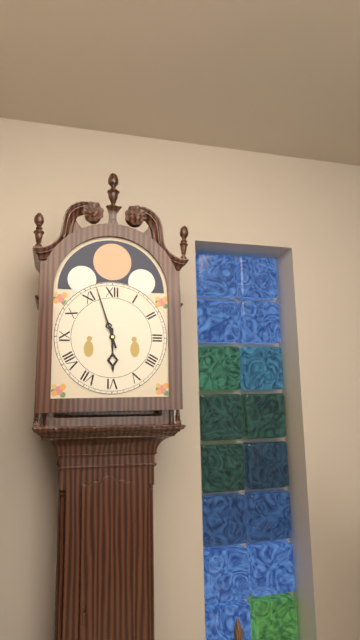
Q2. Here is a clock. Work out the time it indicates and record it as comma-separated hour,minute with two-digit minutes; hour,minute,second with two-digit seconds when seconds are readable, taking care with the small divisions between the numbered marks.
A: 5,57
